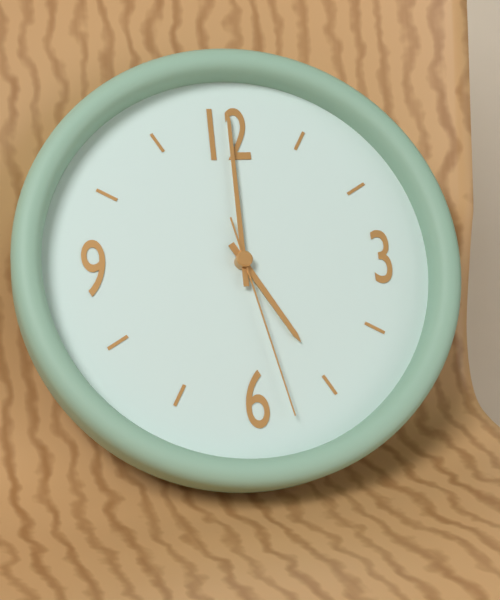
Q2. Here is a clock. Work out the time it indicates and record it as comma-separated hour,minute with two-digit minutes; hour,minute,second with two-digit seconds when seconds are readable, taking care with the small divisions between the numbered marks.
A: 5,00,28
